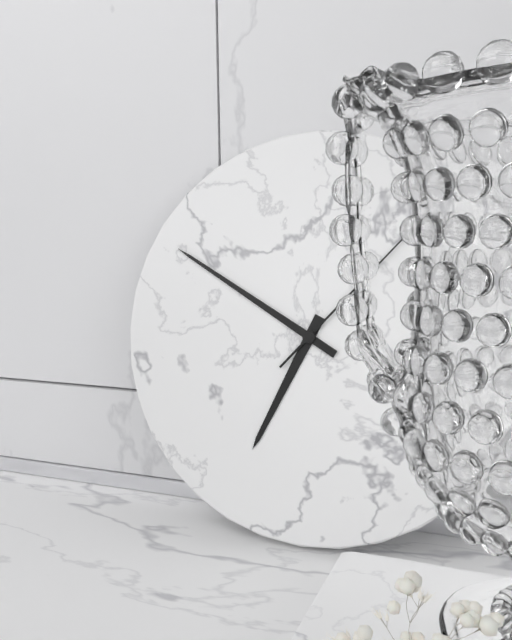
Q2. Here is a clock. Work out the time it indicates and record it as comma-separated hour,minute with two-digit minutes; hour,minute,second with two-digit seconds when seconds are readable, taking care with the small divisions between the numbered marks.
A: 6,50,07
